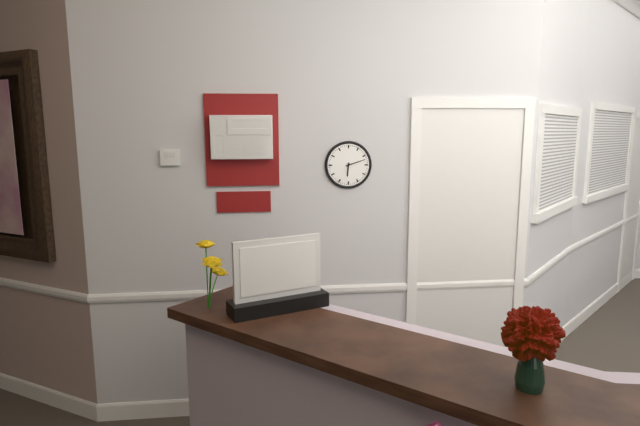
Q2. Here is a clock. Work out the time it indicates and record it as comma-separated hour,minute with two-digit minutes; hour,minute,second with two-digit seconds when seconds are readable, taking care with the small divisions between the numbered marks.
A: 6,12
